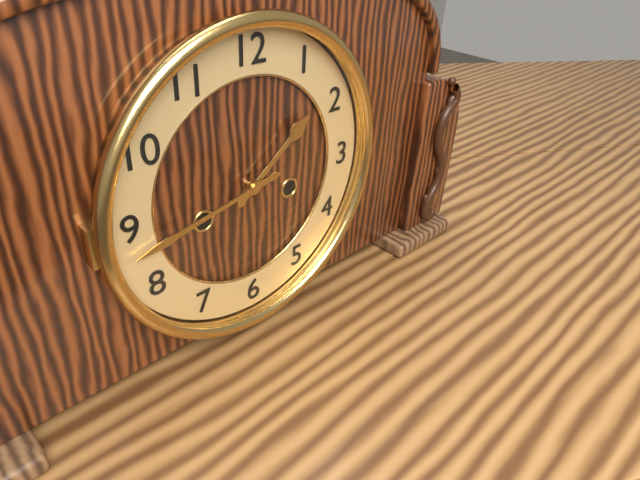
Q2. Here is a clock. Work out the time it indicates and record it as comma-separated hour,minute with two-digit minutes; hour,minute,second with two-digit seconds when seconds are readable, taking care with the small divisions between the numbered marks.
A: 1,43
